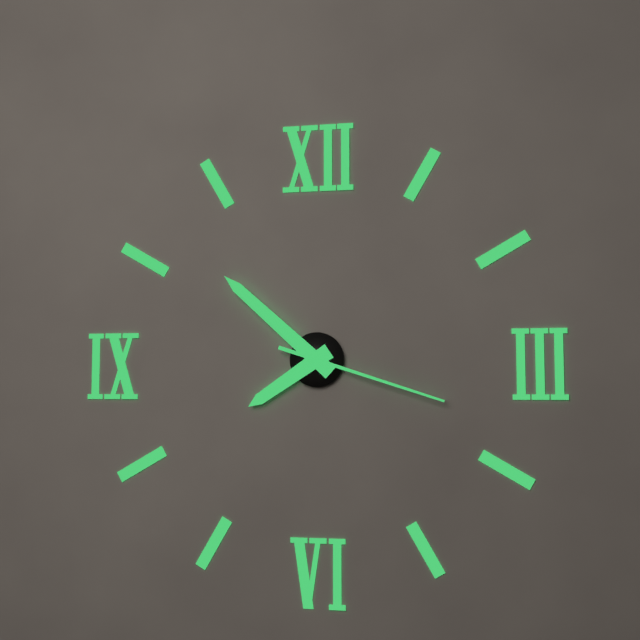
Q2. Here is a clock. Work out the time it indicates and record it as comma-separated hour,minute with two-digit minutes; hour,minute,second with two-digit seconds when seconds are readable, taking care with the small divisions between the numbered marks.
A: 7,52,18
